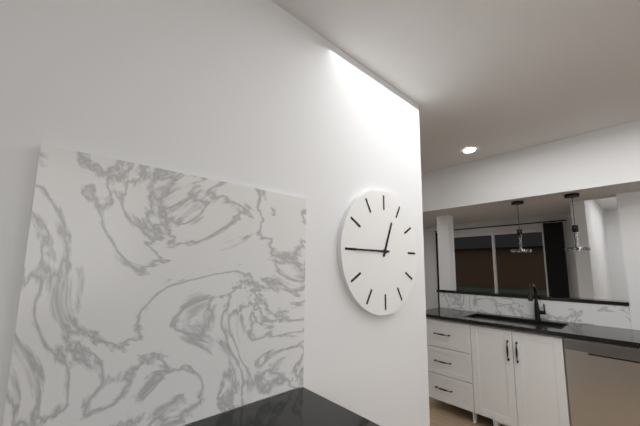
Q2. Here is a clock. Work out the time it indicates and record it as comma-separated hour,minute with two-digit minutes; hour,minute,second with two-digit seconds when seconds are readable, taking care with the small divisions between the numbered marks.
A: 12,45
